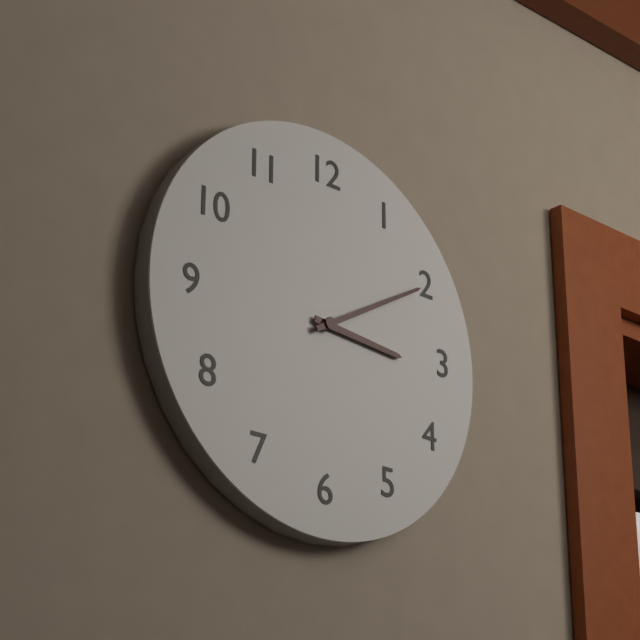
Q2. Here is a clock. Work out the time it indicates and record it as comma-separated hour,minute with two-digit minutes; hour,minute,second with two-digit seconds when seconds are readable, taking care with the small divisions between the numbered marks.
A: 3,10
